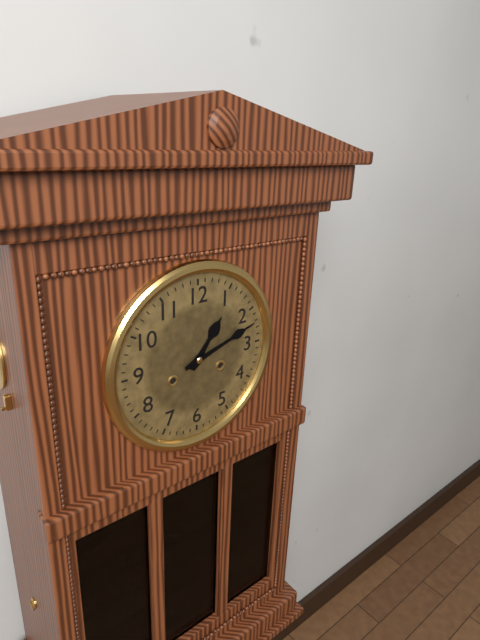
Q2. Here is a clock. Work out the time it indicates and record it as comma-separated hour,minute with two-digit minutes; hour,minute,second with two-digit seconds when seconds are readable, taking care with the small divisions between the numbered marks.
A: 1,12
